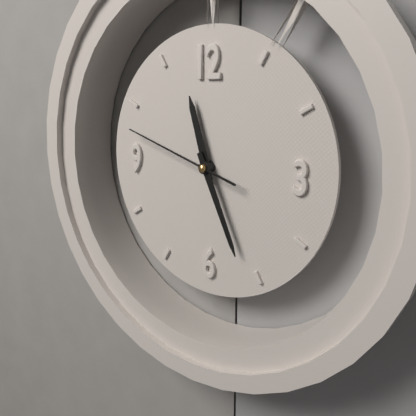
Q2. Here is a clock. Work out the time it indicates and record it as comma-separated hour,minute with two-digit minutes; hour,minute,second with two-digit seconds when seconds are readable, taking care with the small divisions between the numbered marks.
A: 11,26,48
